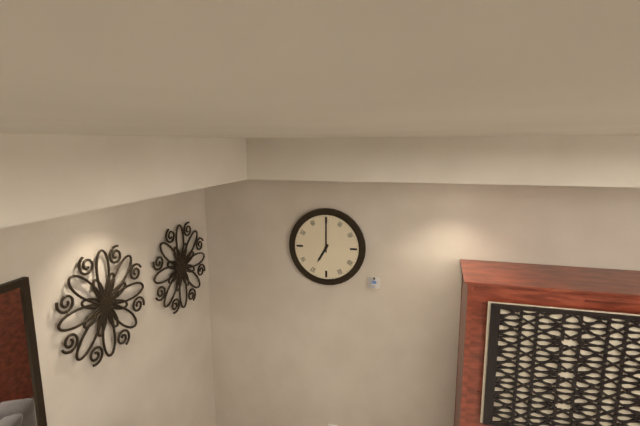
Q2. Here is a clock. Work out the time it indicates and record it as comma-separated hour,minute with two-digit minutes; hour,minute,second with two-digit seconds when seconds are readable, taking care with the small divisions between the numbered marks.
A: 7,00
